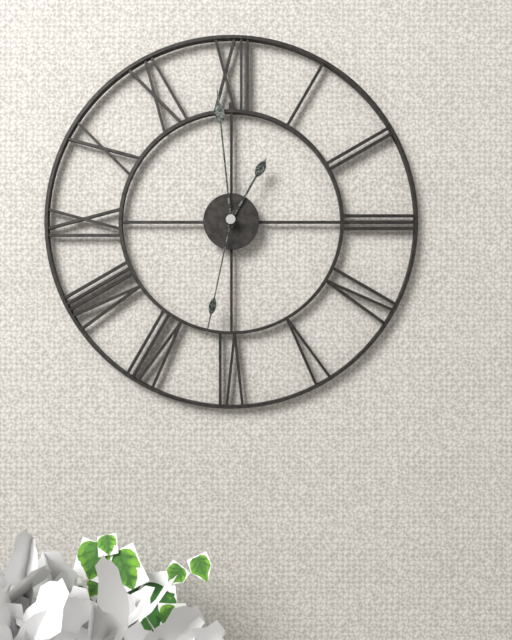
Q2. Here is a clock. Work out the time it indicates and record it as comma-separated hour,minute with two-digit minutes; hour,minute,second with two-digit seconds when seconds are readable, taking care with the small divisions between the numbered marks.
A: 12,59,32
